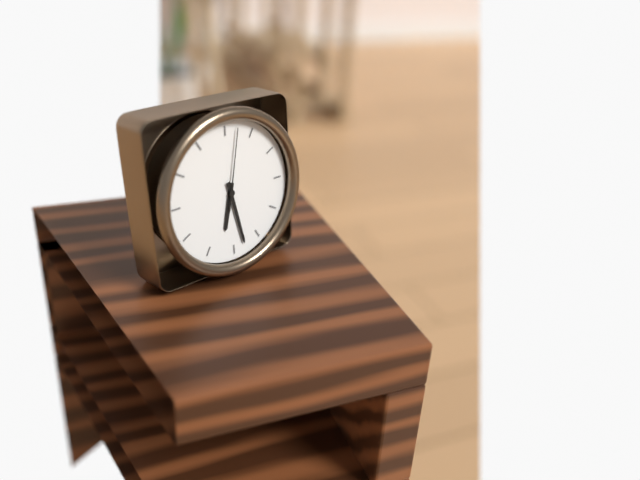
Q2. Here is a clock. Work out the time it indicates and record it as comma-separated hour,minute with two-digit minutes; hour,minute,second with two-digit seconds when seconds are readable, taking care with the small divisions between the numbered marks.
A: 6,28,02
